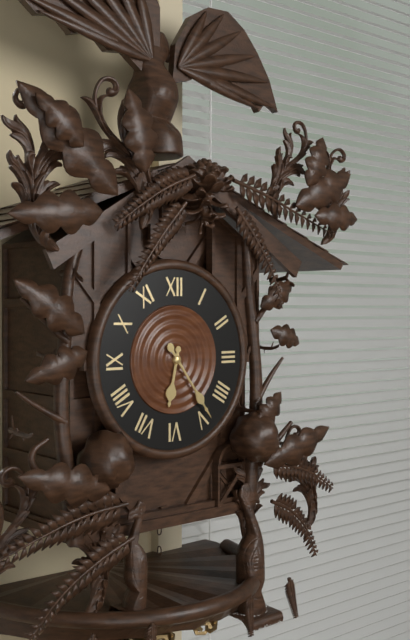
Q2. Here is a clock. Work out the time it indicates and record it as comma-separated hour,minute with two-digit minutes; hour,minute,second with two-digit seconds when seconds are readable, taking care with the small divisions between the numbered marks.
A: 6,24
